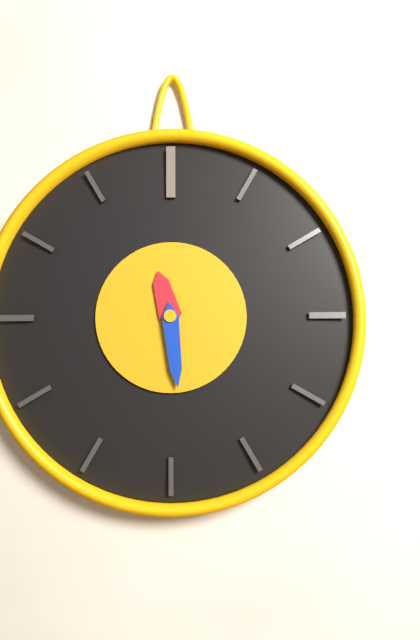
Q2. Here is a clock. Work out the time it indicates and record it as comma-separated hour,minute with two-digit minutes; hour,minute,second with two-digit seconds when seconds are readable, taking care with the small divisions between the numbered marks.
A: 11,29
